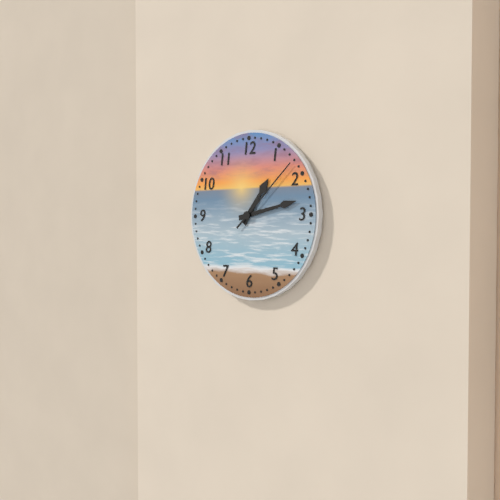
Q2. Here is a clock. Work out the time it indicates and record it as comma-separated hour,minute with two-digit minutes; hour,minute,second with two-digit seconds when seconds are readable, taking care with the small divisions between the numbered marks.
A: 1,13,08
